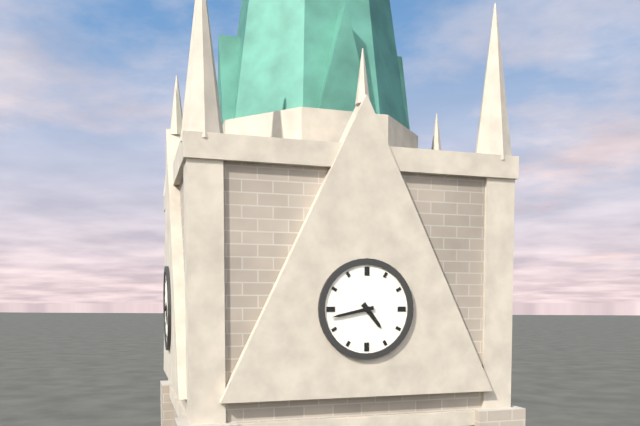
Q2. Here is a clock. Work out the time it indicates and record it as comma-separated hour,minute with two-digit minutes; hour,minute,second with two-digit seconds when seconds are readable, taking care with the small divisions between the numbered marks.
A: 4,43
